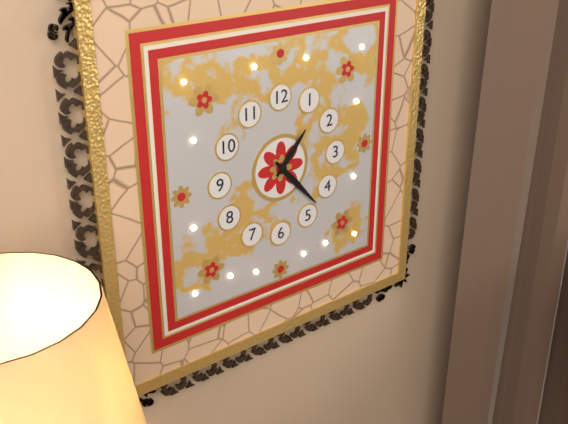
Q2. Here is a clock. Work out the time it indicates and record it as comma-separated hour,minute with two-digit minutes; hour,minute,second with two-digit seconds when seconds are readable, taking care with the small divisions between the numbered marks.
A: 1,23
